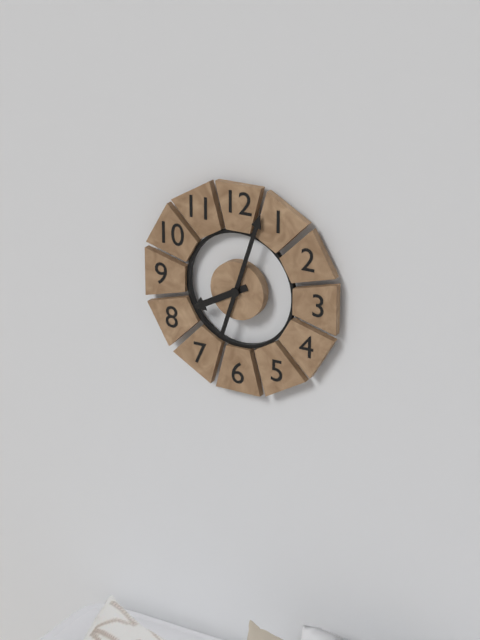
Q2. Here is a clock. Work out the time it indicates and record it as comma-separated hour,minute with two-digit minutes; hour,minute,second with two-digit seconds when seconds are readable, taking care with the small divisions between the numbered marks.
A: 8,03
